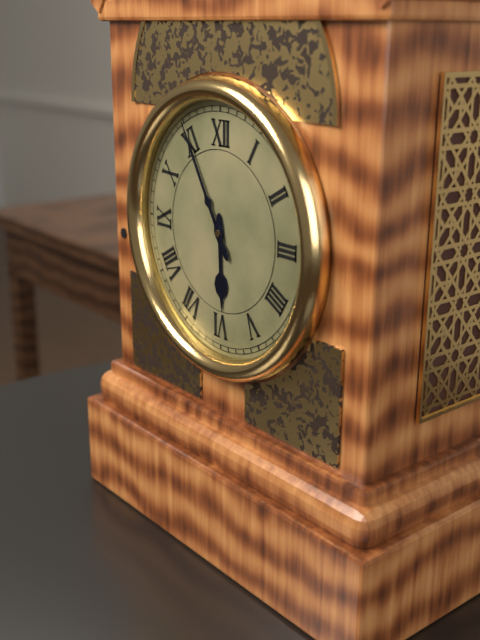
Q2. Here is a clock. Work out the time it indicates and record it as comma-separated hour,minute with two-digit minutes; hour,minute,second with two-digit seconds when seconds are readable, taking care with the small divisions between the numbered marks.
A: 5,55
